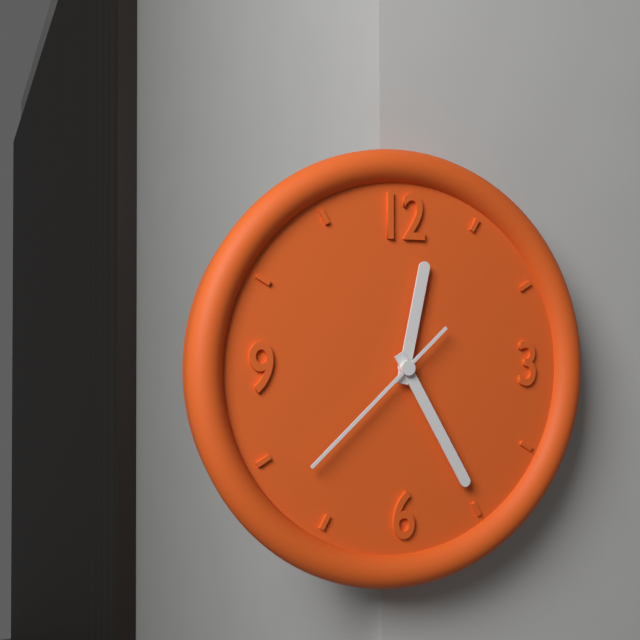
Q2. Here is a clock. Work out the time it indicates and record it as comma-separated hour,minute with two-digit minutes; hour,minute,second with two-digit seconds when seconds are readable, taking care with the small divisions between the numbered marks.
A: 12,25,38
